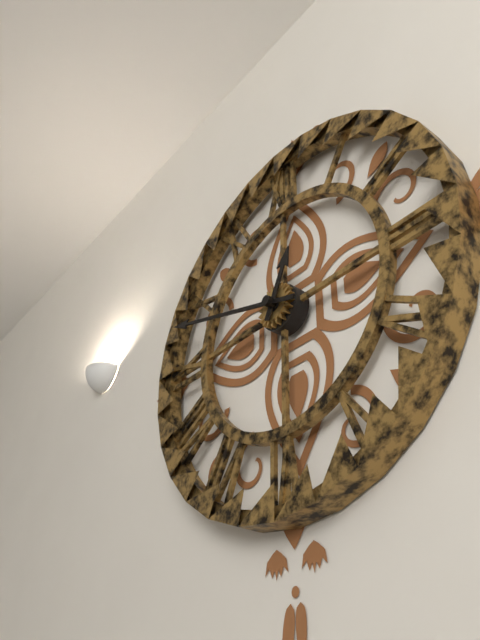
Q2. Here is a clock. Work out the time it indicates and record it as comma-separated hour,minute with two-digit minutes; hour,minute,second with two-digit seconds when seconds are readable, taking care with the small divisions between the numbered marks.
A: 12,48
